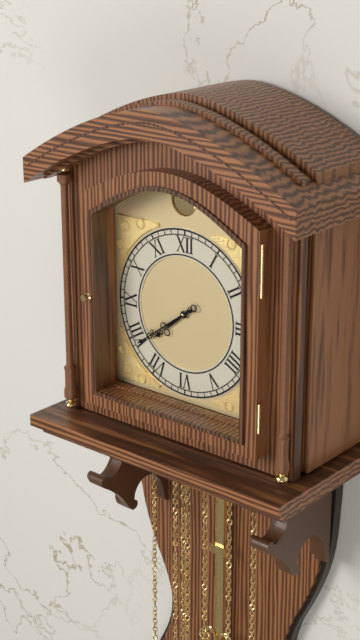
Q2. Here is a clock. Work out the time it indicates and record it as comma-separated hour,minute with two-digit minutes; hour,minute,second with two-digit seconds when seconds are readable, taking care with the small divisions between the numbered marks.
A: 7,39
